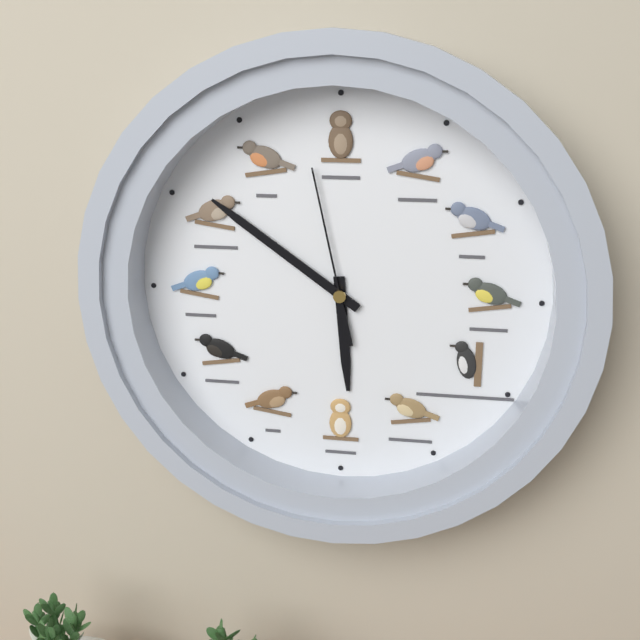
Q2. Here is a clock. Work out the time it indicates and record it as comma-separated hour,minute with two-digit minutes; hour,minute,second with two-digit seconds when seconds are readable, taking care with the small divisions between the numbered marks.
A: 5,51,58
